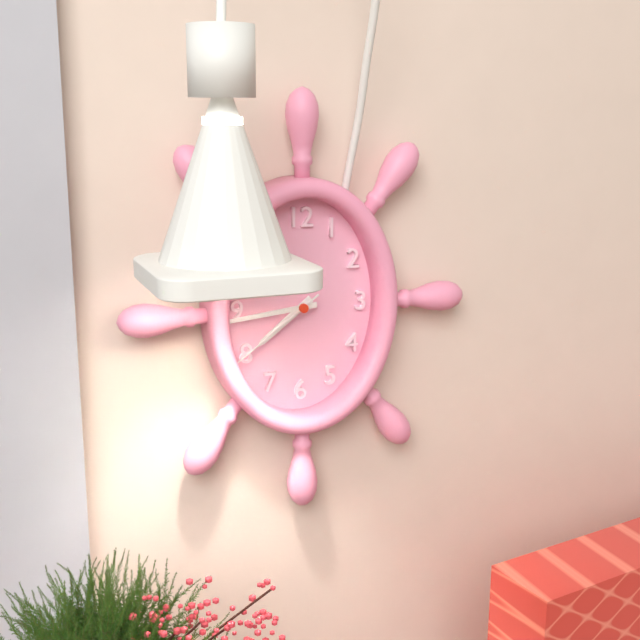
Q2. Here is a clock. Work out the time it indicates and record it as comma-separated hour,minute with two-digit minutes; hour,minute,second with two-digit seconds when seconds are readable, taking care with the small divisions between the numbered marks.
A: 7,44,39
